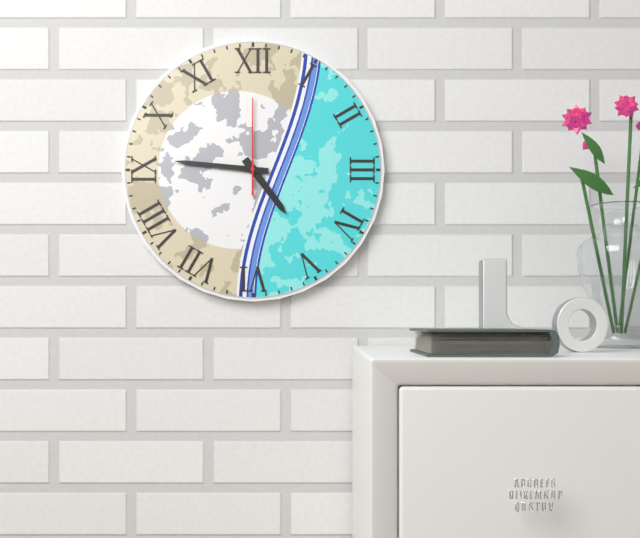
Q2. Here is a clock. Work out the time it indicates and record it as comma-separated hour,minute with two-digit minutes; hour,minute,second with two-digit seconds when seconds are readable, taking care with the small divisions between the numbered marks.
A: 4,46,00
